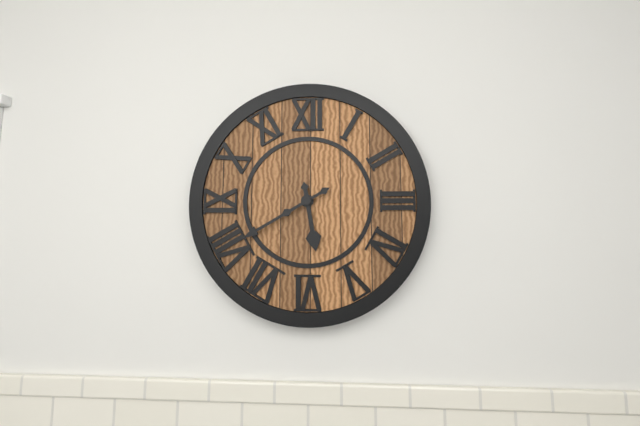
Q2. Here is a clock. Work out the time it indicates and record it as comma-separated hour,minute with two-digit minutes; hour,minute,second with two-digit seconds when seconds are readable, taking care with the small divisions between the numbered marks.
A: 5,40
